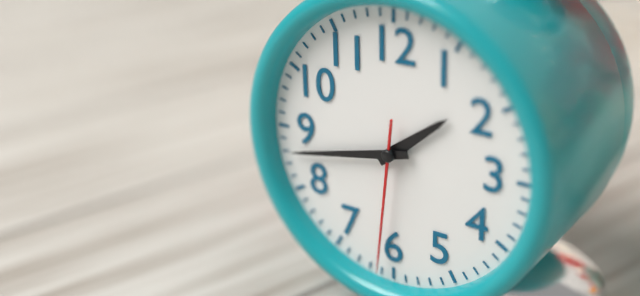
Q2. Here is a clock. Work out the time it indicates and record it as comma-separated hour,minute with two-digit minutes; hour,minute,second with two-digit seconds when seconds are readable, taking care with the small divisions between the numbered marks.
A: 1,43,31
